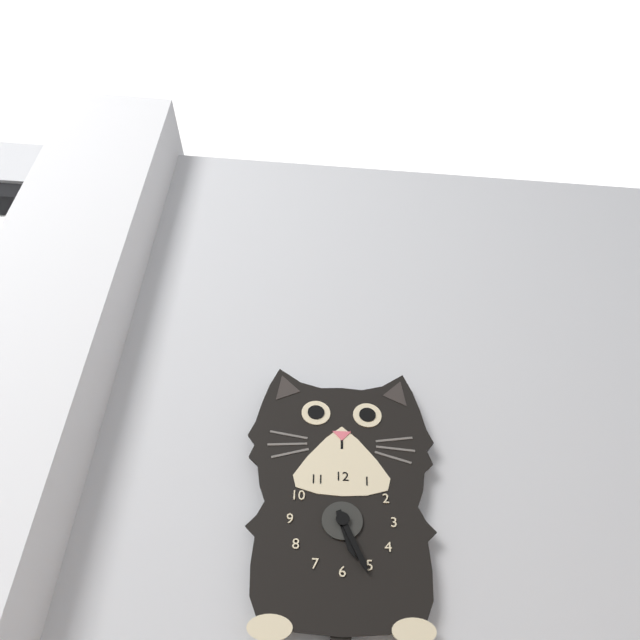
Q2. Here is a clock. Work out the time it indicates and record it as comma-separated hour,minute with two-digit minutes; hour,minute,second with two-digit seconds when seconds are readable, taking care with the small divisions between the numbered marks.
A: 5,26
